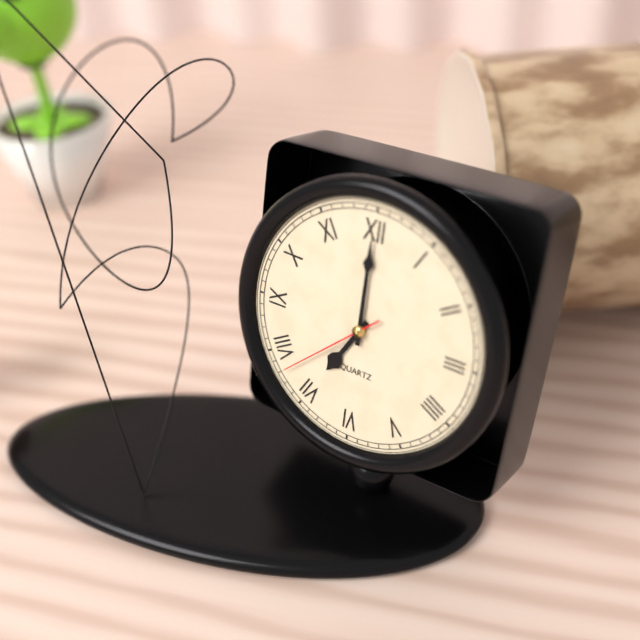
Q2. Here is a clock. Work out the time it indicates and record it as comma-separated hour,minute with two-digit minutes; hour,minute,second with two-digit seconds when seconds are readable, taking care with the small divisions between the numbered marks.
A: 7,00,38
